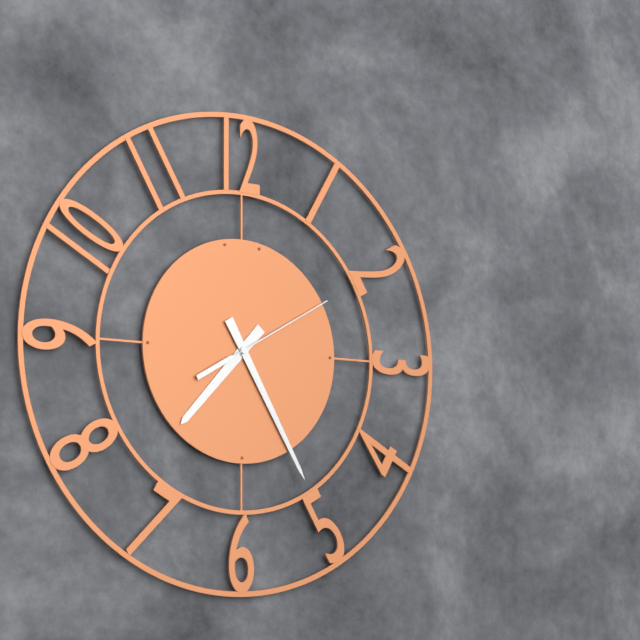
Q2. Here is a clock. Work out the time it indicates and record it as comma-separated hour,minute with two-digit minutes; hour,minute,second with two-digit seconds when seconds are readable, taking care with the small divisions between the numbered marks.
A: 7,25,10
